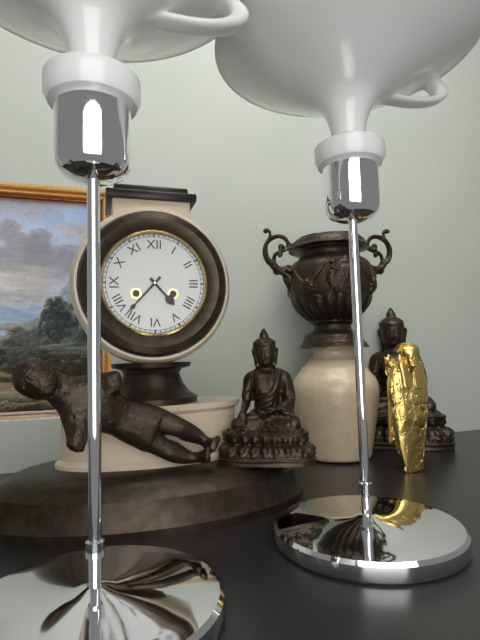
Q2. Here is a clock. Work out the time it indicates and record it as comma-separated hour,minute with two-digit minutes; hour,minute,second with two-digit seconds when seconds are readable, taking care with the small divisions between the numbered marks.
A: 4,37
